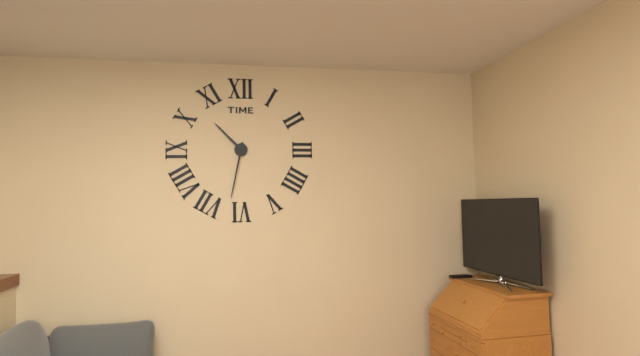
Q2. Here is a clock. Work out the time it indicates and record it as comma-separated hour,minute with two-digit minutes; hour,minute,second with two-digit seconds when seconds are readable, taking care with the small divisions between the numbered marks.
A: 10,32
